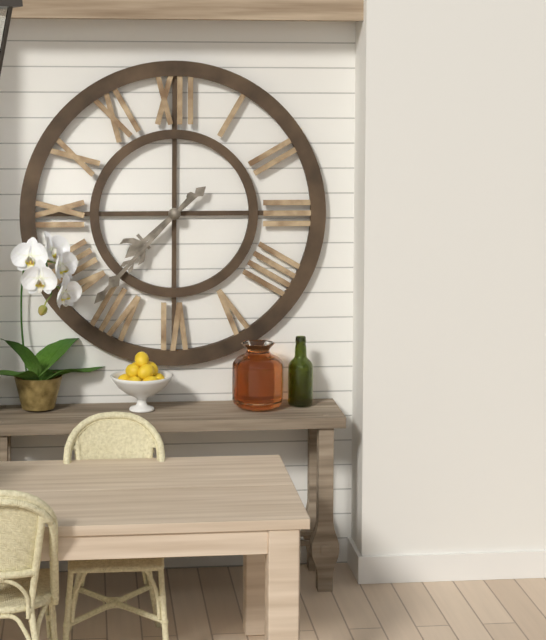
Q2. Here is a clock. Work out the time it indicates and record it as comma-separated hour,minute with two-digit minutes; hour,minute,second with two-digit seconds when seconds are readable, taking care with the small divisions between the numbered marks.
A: 7,37
